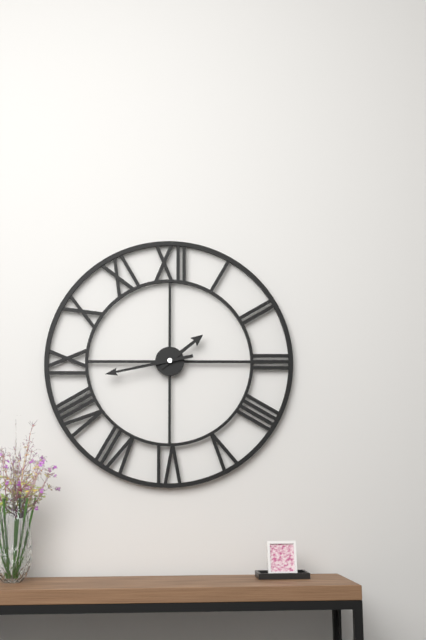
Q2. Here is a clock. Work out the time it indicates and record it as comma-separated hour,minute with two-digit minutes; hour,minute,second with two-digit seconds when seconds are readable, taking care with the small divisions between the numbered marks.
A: 1,43
